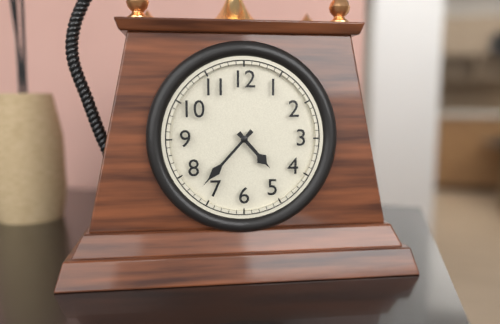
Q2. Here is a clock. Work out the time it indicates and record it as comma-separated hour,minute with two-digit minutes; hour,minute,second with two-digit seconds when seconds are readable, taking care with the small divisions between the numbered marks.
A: 4,37
